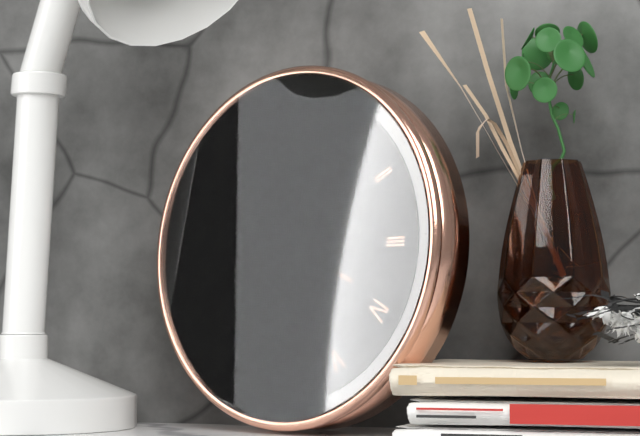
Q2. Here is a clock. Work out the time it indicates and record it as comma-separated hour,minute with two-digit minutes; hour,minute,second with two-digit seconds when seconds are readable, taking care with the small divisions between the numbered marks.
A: 3,49,26
